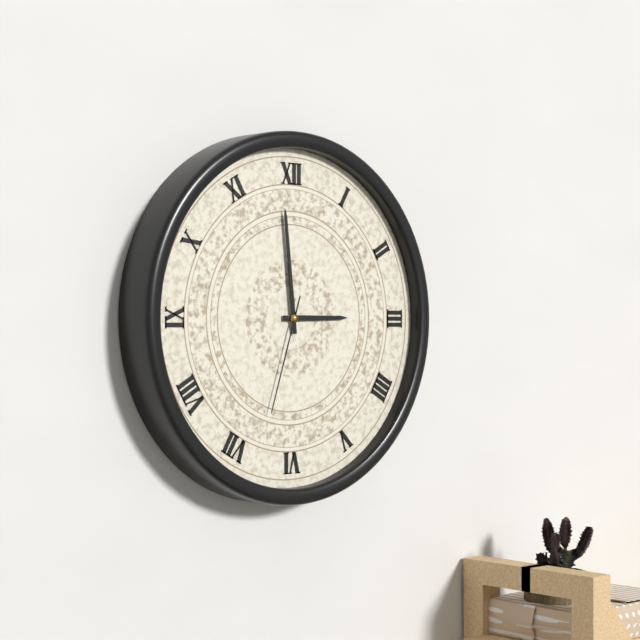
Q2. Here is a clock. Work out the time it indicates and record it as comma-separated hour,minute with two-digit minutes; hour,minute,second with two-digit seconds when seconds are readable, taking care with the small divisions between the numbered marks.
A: 2,59,33
